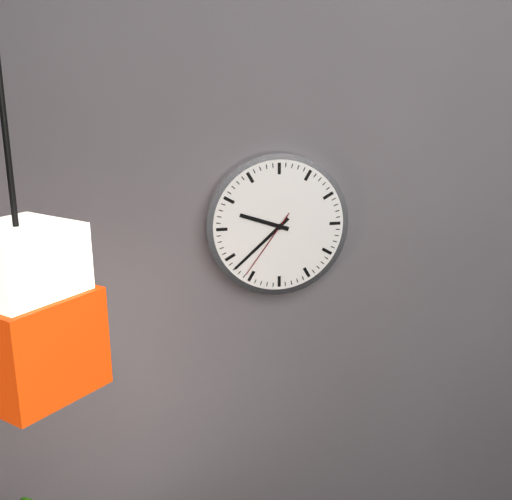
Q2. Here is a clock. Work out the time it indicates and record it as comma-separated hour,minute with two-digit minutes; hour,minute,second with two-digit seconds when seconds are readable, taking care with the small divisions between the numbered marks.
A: 9,38,36
